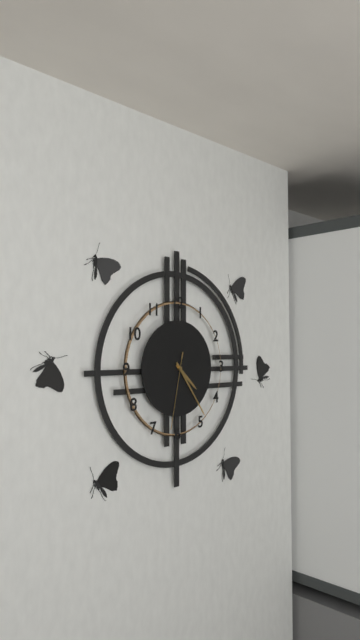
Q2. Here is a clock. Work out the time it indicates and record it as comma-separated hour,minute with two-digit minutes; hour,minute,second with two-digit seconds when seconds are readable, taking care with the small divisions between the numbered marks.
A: 4,24,32
